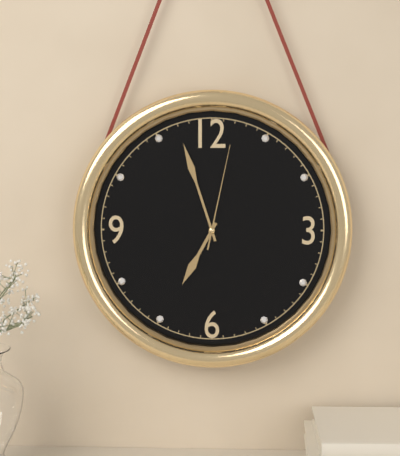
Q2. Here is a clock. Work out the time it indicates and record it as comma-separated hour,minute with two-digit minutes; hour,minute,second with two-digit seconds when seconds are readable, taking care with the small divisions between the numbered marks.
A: 6,57,02
